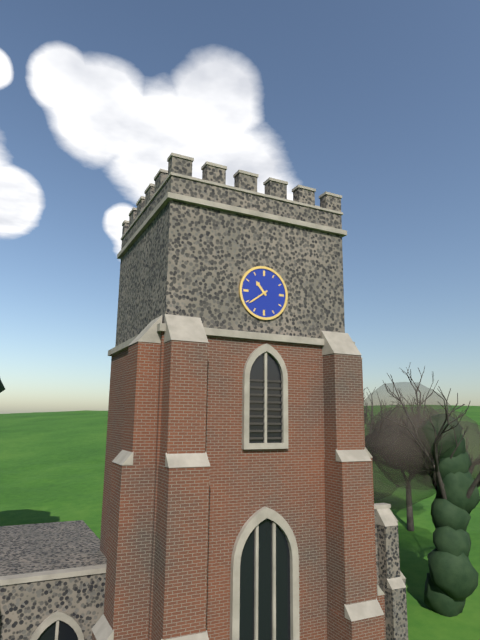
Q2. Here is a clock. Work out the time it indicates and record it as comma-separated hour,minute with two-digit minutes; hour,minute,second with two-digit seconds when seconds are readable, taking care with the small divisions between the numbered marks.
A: 10,39
